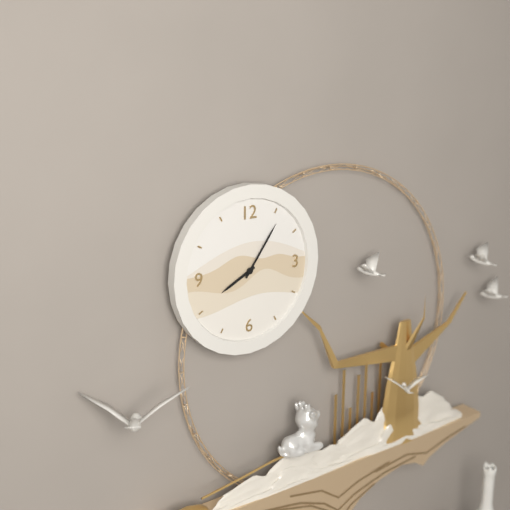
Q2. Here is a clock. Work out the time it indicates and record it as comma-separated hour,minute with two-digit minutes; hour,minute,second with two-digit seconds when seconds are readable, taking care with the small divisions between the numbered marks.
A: 8,06
